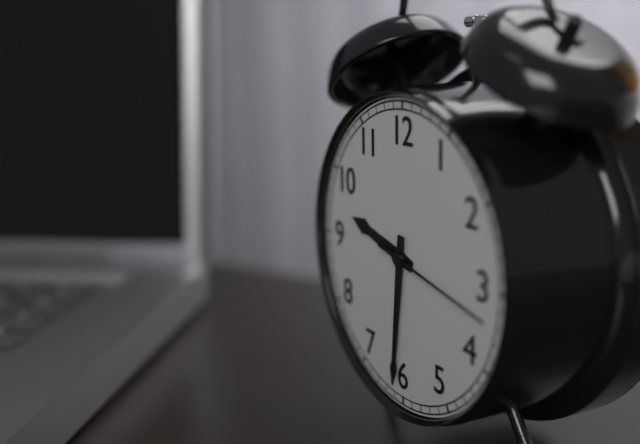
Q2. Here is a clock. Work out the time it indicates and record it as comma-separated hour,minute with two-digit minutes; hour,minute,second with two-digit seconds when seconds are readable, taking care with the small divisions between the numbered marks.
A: 9,31,17
